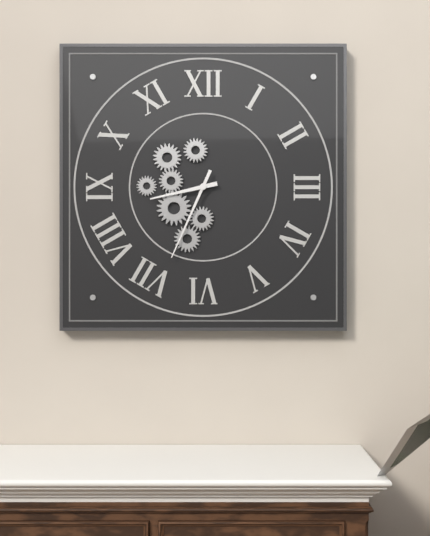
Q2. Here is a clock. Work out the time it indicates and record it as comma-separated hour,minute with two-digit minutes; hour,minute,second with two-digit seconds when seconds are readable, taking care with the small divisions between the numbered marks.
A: 8,34
